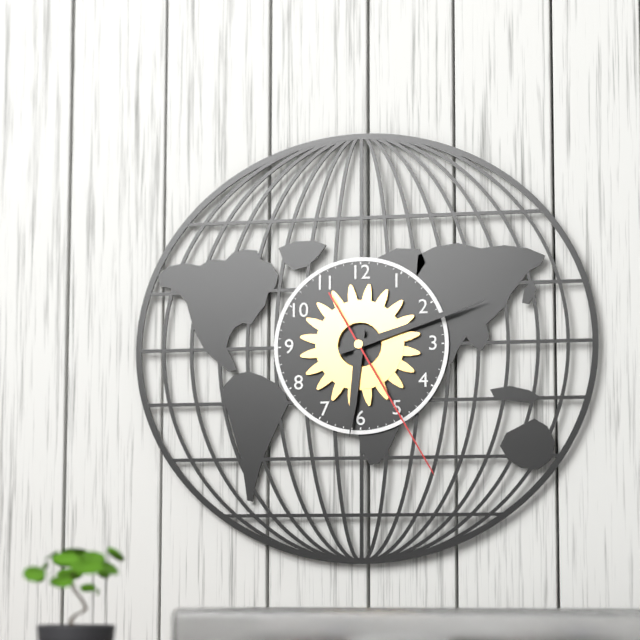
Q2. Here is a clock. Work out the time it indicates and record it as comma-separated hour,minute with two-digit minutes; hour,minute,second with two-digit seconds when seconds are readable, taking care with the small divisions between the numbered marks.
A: 6,12,25
